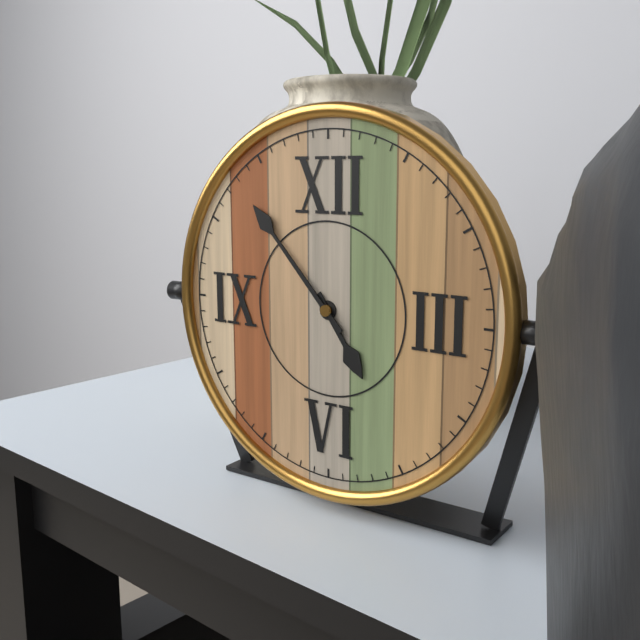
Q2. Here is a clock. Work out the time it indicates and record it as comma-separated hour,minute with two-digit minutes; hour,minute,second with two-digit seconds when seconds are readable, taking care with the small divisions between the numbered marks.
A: 4,53
